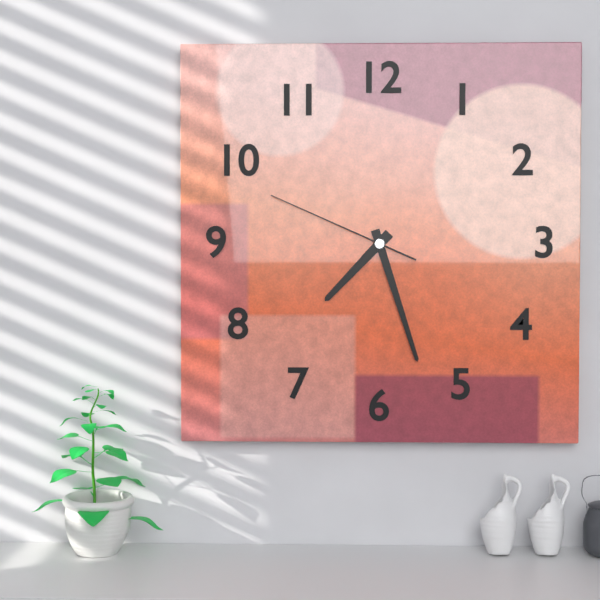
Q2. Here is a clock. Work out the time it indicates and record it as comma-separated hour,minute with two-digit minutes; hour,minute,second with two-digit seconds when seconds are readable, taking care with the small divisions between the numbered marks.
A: 7,27,49
